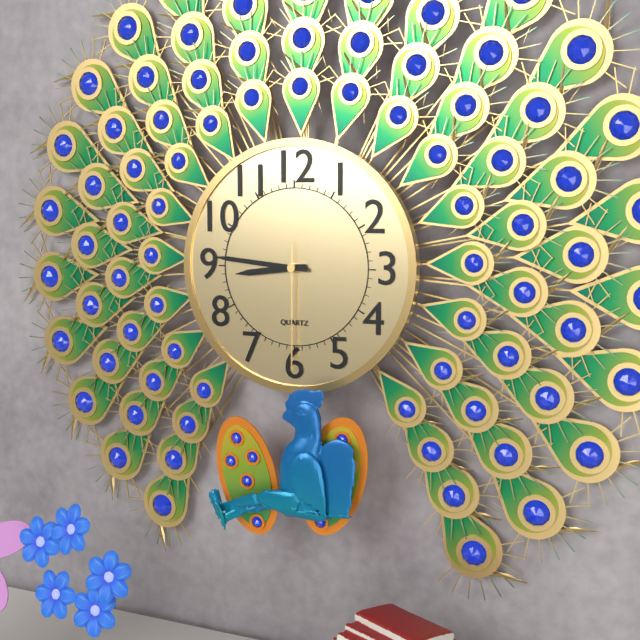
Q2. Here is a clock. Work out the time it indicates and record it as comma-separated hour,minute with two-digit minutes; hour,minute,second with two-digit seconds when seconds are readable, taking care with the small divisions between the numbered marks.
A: 8,46,30
